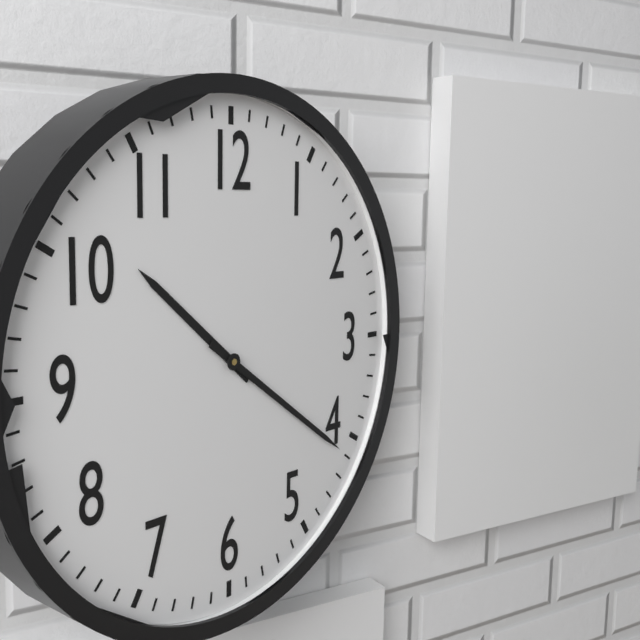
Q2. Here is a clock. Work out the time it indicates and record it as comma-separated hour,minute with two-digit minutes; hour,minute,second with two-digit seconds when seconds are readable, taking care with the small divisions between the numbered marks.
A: 10,21
